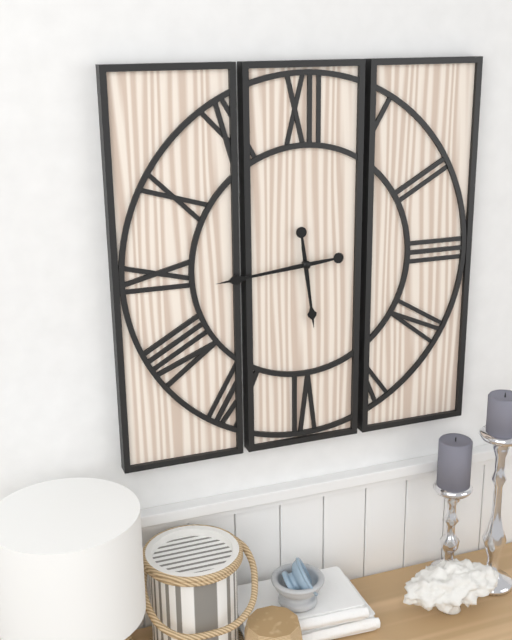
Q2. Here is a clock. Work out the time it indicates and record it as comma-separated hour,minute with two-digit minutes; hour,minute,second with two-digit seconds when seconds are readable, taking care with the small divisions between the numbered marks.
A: 5,44
